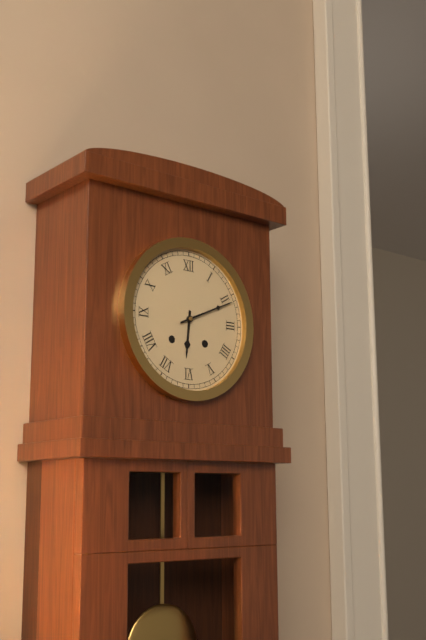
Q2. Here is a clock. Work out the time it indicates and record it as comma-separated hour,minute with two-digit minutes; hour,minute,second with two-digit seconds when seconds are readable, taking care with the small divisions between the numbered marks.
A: 6,11
